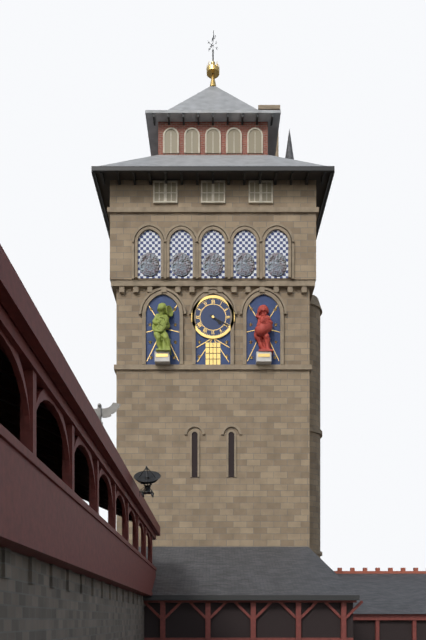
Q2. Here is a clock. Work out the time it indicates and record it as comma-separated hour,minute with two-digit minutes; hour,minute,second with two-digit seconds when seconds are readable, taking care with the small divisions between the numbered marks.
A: 4,20
